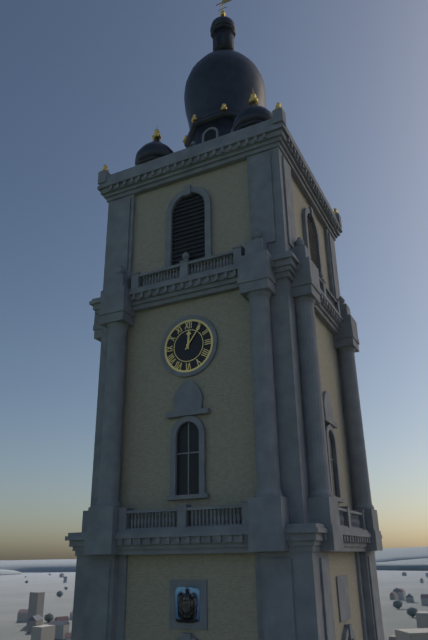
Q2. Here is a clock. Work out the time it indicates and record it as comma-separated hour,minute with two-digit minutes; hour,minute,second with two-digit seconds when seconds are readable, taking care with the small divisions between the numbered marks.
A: 12,06
